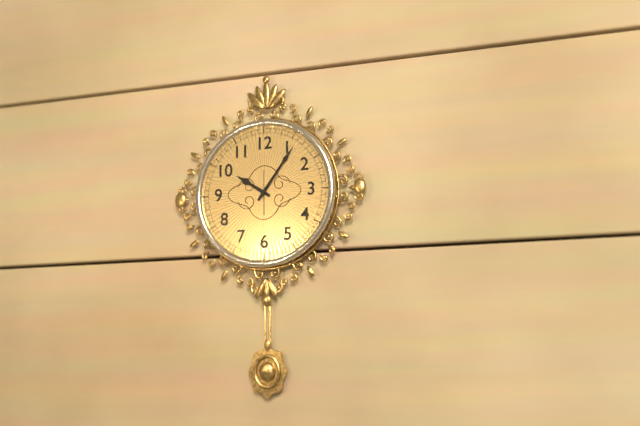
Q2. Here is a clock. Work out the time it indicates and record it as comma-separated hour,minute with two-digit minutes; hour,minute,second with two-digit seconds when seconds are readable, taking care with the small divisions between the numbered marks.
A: 10,06
